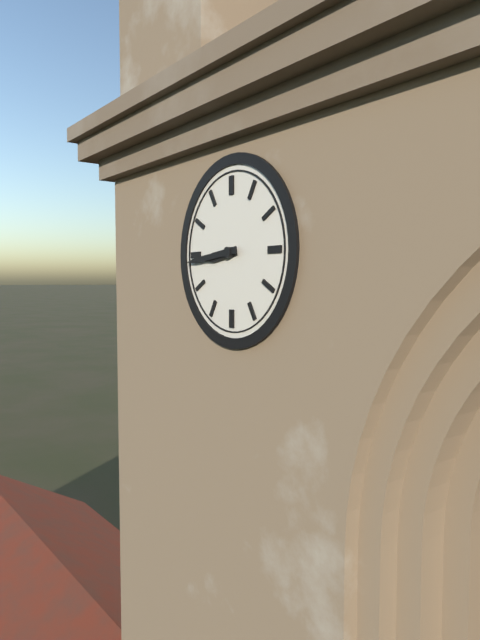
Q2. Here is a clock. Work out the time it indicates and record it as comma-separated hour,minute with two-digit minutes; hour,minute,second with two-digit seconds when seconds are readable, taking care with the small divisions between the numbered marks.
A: 8,44
